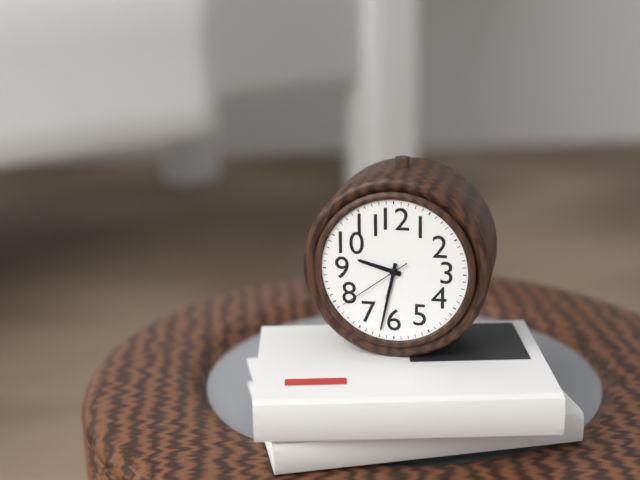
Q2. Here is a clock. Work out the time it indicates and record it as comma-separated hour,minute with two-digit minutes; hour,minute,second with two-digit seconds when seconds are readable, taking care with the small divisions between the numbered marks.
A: 9,32,39
